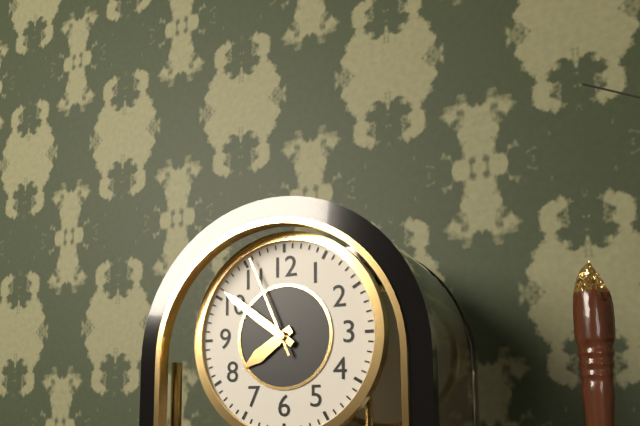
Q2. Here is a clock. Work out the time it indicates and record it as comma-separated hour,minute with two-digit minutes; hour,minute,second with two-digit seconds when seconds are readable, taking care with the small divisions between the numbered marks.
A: 7,51,56
